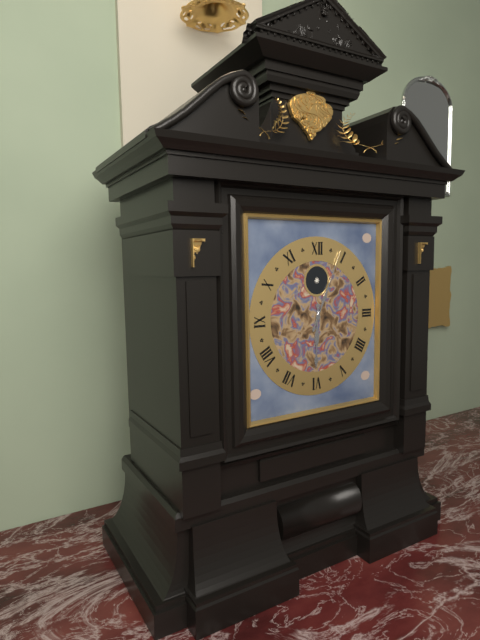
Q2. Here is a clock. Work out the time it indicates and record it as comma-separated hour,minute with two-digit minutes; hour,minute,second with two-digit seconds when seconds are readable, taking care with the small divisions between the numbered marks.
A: 6,04
